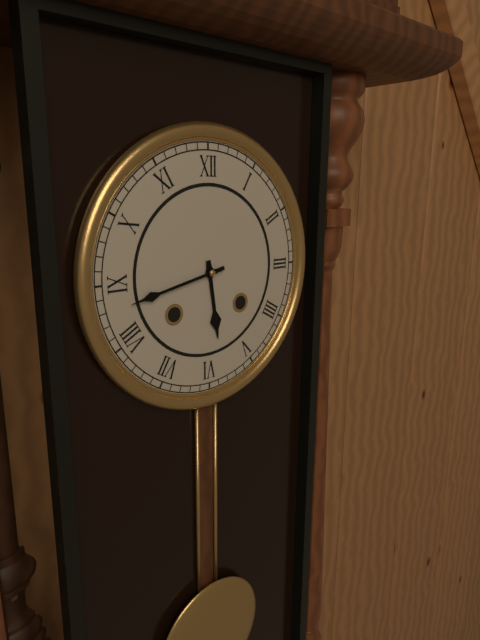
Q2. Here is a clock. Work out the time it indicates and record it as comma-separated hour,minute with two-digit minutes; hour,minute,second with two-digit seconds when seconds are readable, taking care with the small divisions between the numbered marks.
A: 5,43
